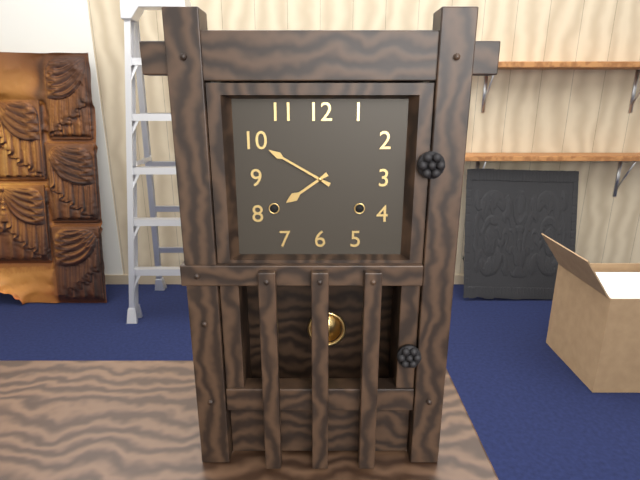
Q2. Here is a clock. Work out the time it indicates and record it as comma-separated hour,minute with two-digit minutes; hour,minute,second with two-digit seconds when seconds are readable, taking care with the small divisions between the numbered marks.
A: 7,50
